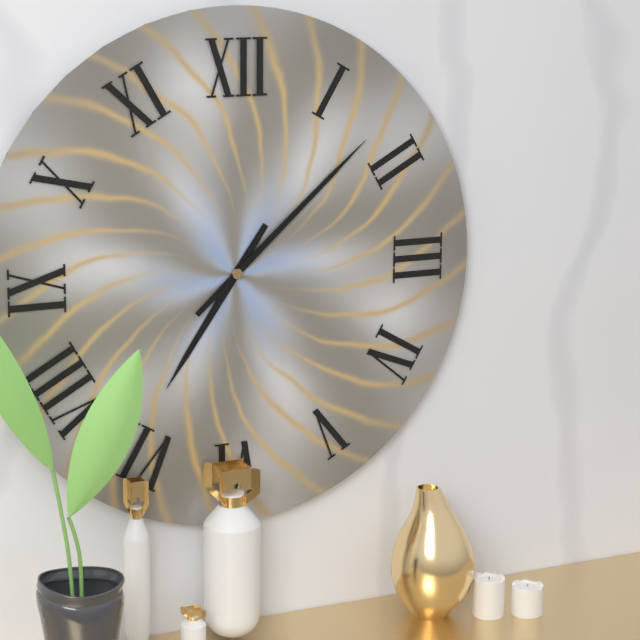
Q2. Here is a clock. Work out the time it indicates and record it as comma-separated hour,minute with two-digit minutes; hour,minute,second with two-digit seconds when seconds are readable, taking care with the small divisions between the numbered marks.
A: 7,08
